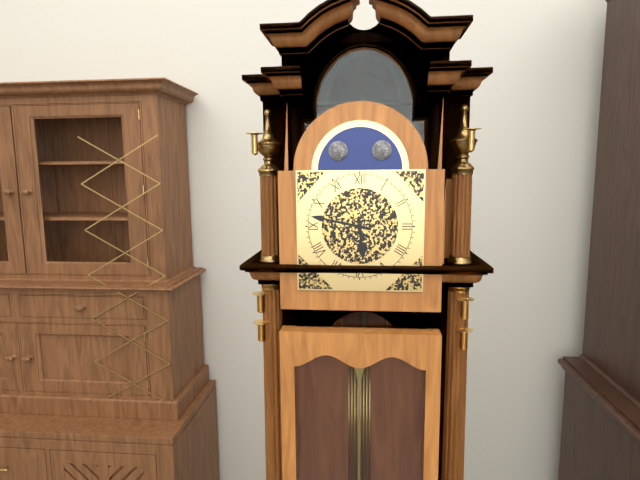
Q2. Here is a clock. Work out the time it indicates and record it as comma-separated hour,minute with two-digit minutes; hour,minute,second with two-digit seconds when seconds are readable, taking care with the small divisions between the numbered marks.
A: 5,47
